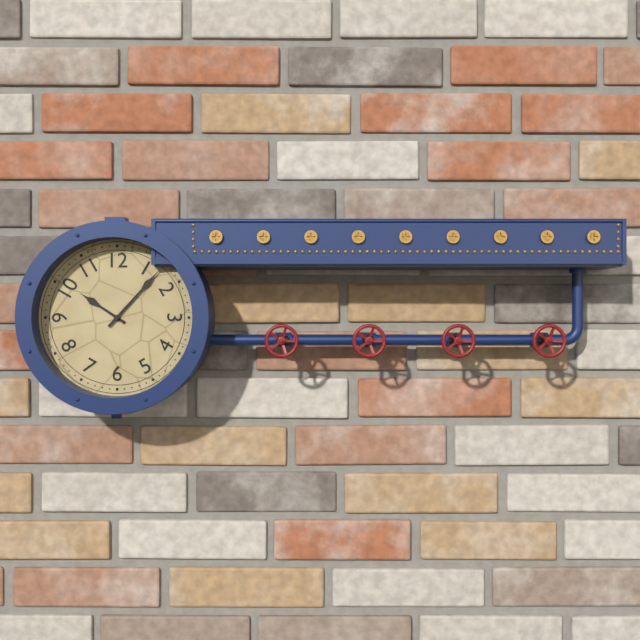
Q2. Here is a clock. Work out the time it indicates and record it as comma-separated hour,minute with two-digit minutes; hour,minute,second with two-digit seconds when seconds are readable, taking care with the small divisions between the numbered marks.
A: 10,07
